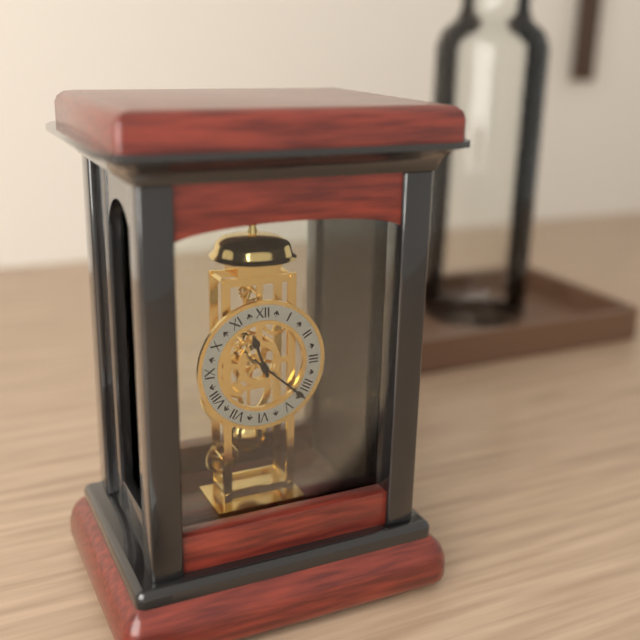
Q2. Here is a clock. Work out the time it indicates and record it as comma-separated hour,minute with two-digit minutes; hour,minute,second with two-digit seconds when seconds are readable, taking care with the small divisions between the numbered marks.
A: 11,22
